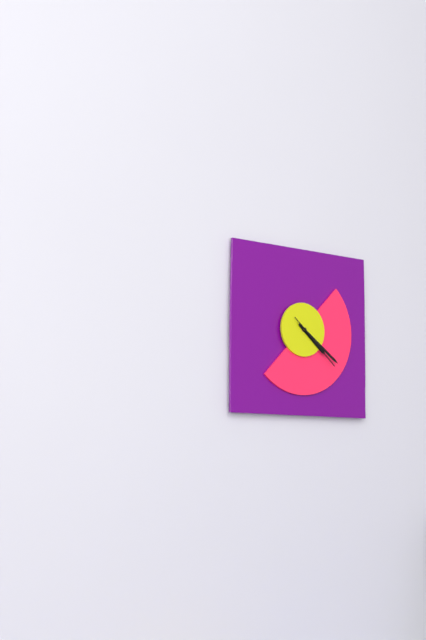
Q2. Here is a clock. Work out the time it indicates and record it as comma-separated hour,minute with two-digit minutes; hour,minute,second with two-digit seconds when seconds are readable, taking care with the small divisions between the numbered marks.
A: 4,21,22
